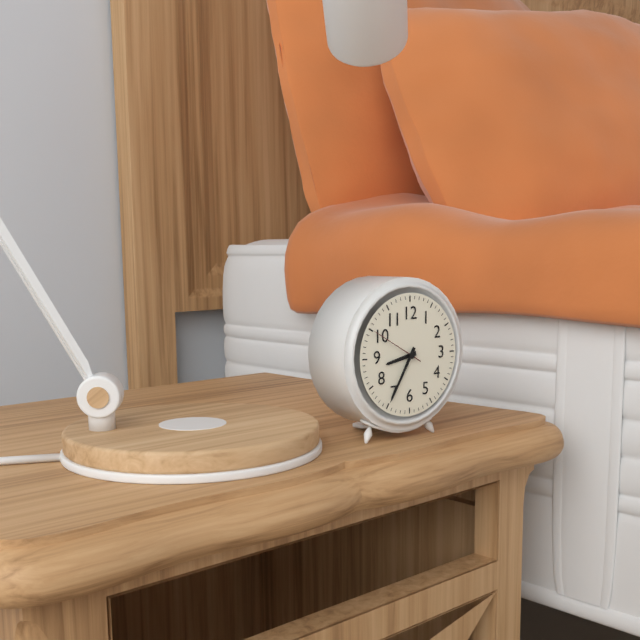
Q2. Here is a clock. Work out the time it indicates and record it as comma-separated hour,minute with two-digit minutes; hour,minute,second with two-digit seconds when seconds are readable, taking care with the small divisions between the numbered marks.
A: 8,35,50
